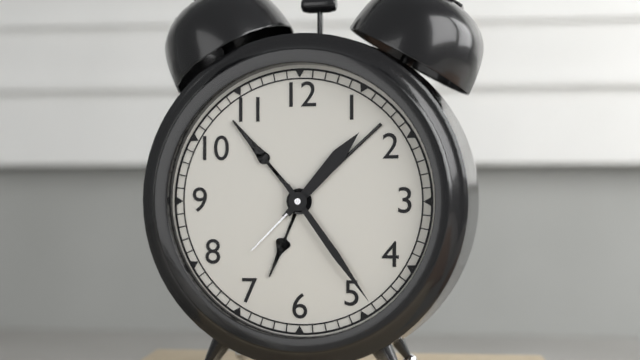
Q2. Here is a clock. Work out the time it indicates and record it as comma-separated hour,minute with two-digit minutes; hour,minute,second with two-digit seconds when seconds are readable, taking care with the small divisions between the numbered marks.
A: 1,24
